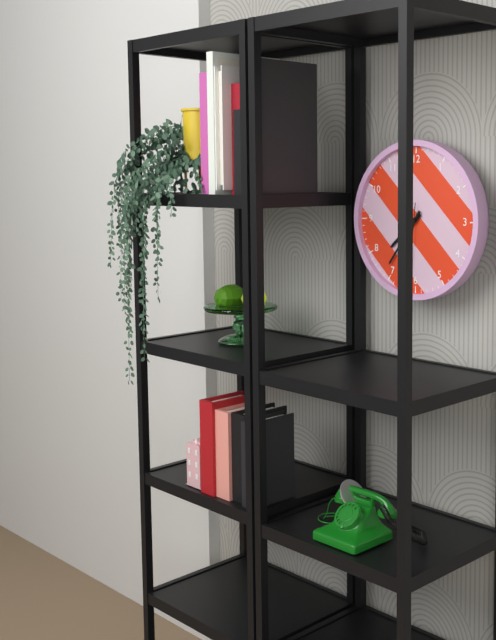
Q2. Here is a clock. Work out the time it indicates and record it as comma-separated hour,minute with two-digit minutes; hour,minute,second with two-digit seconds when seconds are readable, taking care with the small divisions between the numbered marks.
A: 7,36
